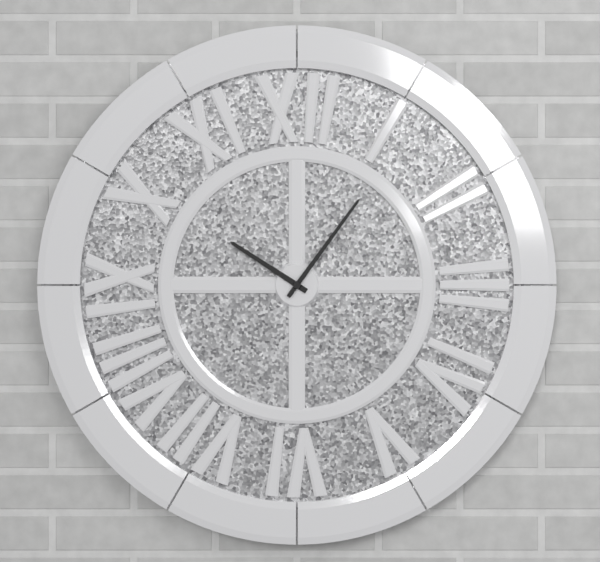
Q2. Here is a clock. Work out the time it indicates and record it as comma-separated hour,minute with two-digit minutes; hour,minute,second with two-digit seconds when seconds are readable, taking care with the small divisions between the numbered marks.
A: 10,06
